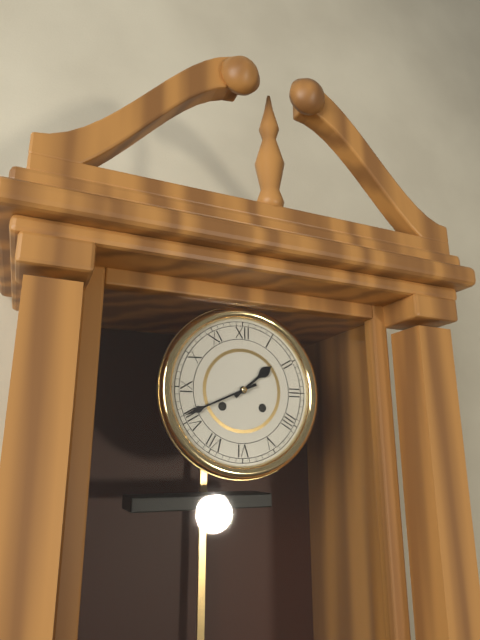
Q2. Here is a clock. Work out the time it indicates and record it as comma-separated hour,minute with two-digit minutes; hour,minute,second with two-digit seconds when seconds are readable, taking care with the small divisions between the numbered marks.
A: 1,41
